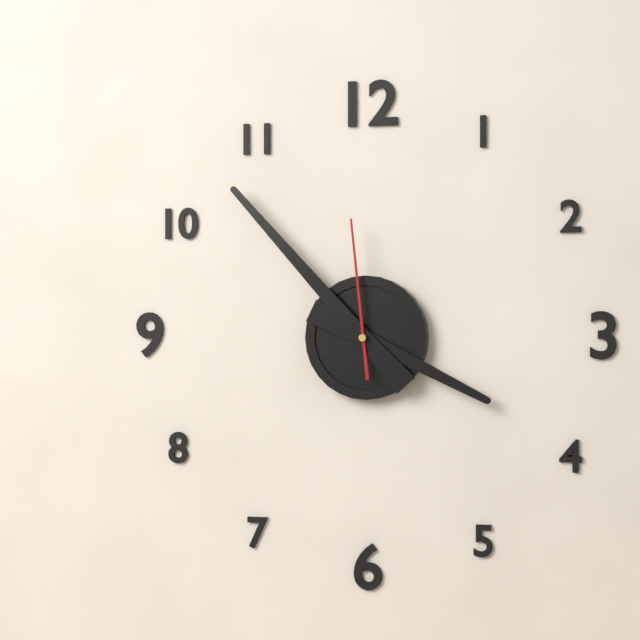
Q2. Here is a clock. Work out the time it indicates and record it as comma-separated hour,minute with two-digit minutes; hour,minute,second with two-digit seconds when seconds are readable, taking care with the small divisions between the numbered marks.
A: 3,53,59
